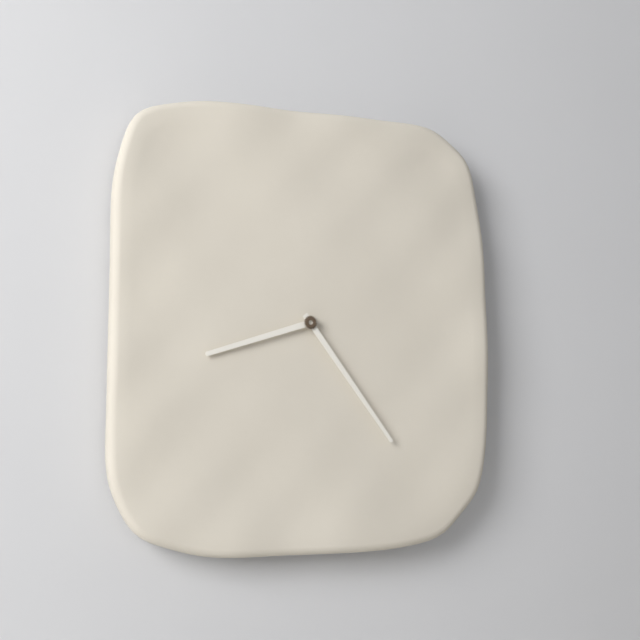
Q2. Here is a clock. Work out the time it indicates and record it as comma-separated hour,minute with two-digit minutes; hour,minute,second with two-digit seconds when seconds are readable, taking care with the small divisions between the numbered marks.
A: 8,24
